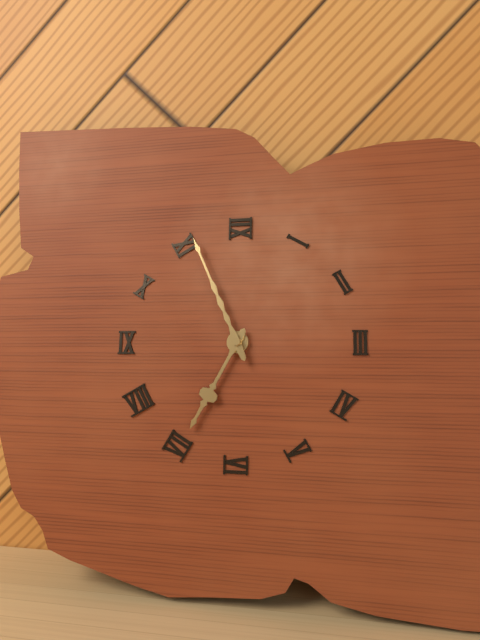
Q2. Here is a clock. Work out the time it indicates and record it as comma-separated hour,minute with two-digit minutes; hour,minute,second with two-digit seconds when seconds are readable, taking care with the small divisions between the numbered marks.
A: 6,56
